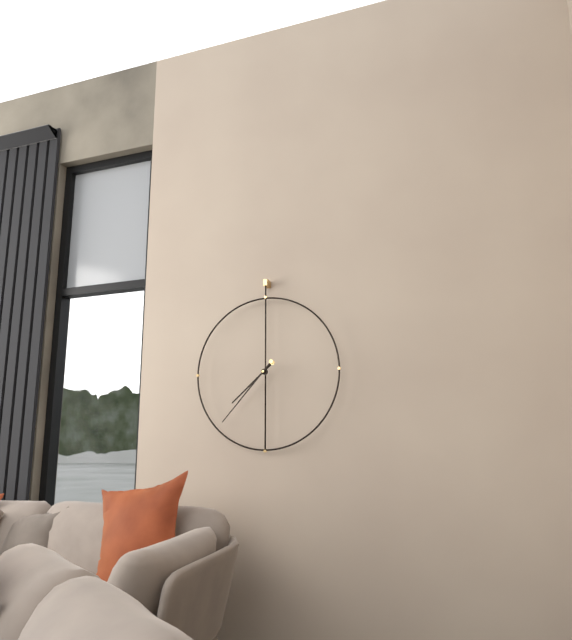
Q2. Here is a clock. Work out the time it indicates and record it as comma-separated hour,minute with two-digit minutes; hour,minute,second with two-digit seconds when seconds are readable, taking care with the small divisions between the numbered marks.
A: 7,37
